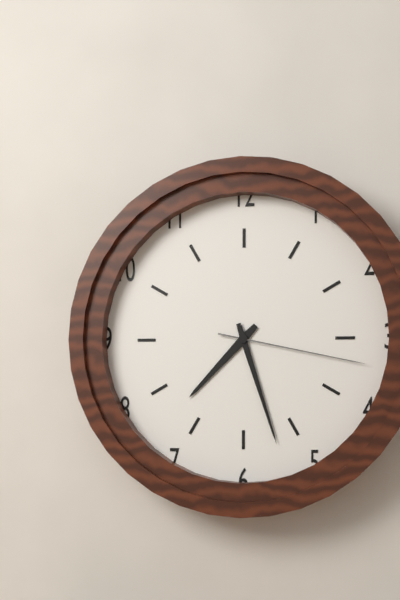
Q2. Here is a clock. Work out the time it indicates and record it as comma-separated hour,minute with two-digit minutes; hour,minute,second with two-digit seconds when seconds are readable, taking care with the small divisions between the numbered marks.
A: 7,27,17
